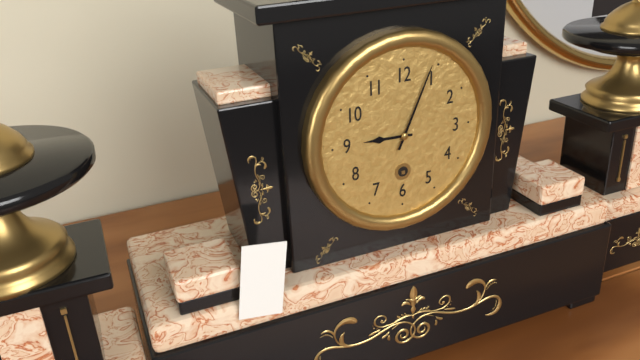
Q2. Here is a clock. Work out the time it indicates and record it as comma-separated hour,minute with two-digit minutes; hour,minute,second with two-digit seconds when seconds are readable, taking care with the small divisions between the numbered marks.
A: 9,04
